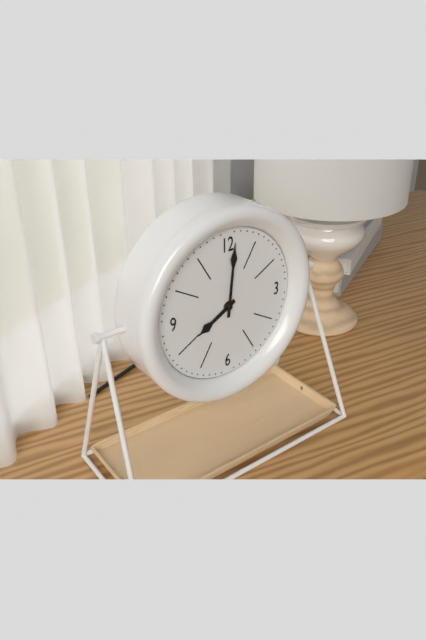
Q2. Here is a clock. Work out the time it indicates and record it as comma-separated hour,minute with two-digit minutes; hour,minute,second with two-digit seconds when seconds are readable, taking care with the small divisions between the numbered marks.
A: 8,01
